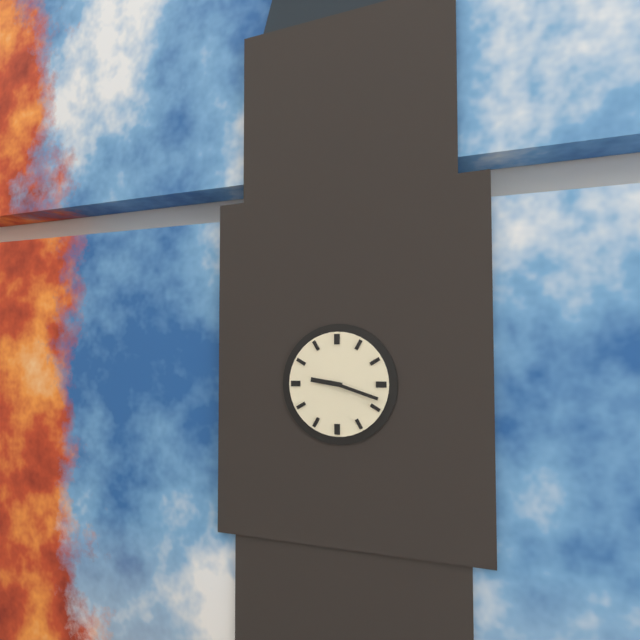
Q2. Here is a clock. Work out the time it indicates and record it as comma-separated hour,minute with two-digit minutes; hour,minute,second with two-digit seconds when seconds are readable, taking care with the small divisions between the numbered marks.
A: 9,18
